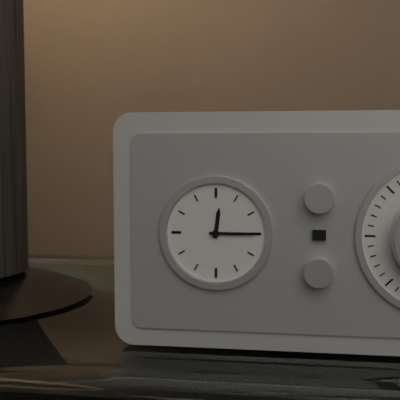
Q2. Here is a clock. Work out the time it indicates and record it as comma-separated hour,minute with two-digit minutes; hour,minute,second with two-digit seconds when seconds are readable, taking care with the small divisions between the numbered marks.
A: 12,15
